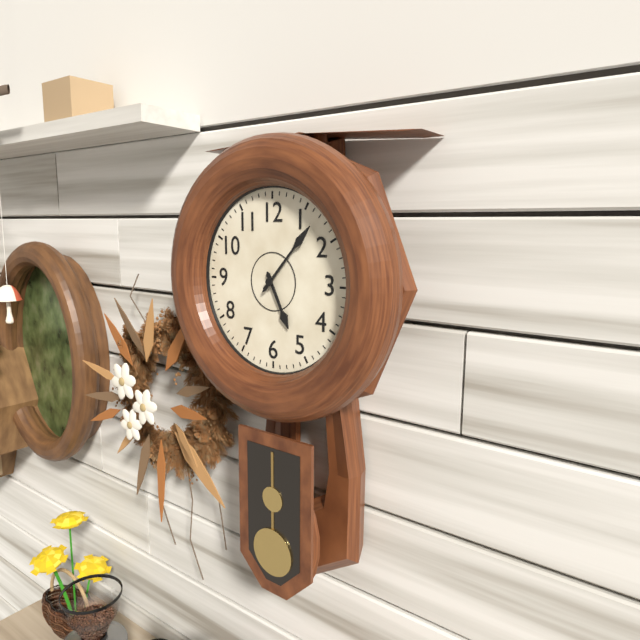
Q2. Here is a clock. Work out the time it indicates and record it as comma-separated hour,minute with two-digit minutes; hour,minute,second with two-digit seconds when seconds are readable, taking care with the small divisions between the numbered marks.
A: 5,07
